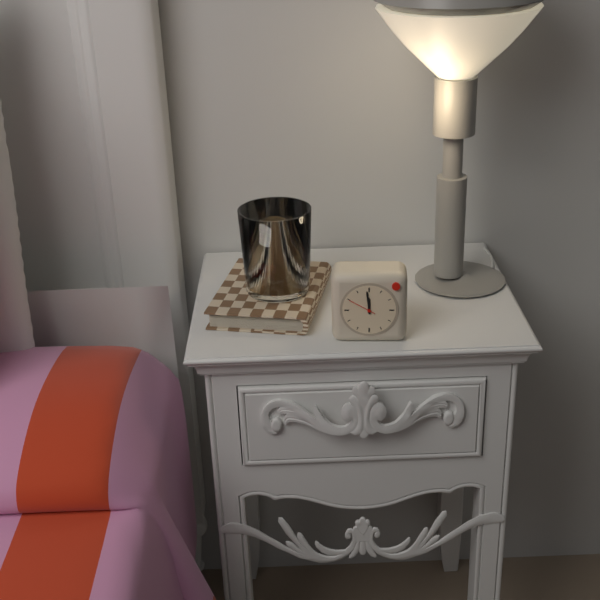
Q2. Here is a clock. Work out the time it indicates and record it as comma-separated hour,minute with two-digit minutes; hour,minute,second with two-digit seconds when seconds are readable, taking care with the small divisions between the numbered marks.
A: 11,59
